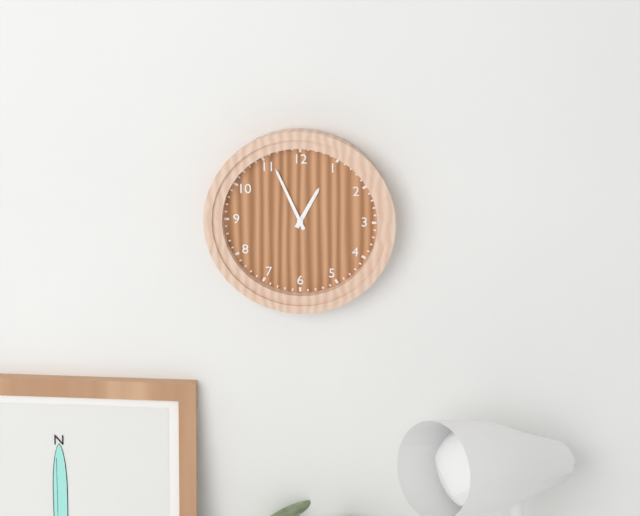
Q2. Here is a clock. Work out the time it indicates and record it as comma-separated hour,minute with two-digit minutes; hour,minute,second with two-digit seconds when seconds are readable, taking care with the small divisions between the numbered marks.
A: 12,56
